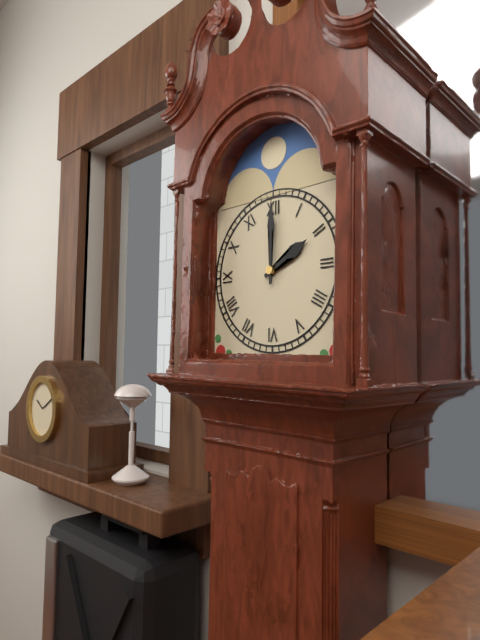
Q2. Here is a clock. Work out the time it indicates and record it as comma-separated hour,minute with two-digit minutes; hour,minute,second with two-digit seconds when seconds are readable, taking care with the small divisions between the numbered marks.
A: 2,00
